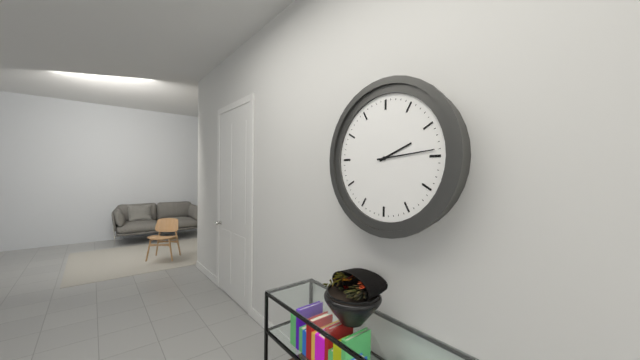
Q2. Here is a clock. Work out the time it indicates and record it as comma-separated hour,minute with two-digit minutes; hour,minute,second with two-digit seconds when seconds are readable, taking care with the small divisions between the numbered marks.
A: 2,14
